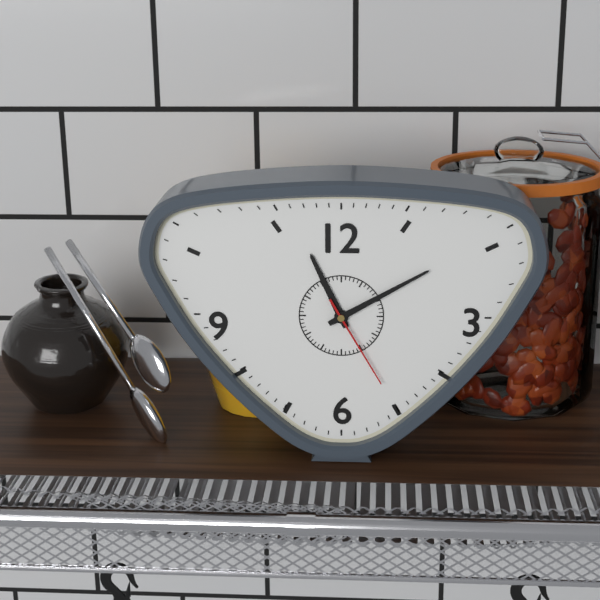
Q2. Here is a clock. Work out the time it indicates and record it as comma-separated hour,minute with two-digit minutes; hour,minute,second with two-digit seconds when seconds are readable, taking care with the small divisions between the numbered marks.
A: 11,10,25
